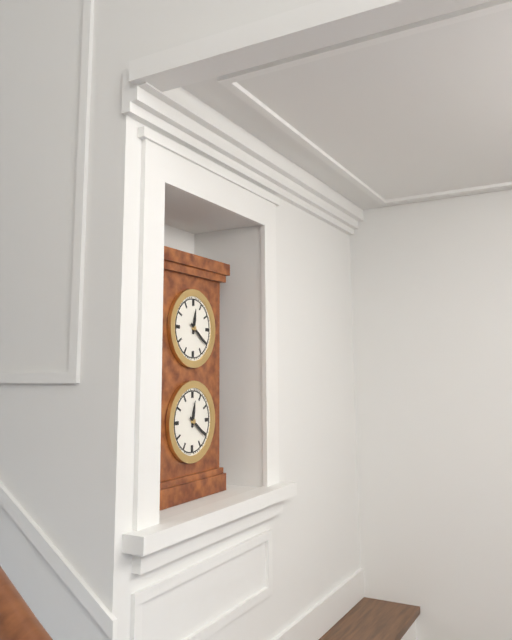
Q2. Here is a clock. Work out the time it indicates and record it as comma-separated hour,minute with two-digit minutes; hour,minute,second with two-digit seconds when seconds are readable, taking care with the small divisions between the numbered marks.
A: 12,21
